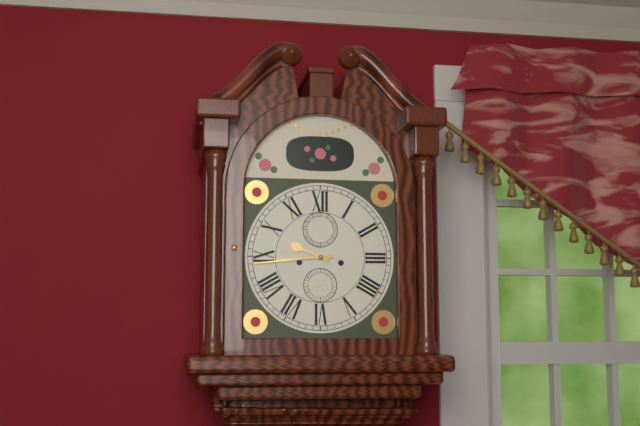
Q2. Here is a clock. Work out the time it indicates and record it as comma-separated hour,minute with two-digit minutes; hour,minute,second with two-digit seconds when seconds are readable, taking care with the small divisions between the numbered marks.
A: 9,44
